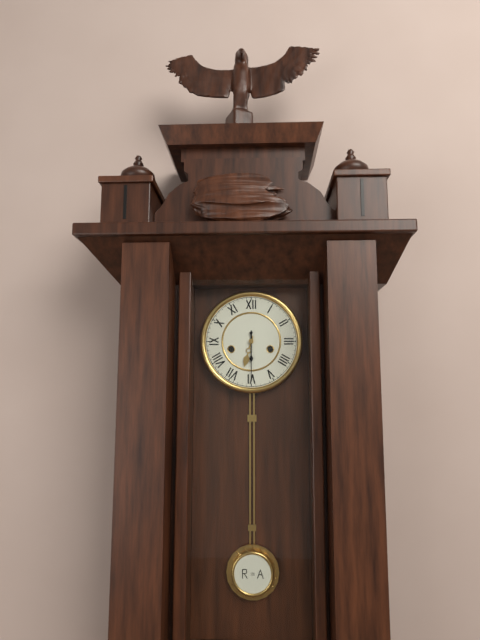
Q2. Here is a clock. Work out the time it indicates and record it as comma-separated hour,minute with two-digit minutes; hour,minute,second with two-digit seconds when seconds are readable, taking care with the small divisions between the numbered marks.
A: 6,30
